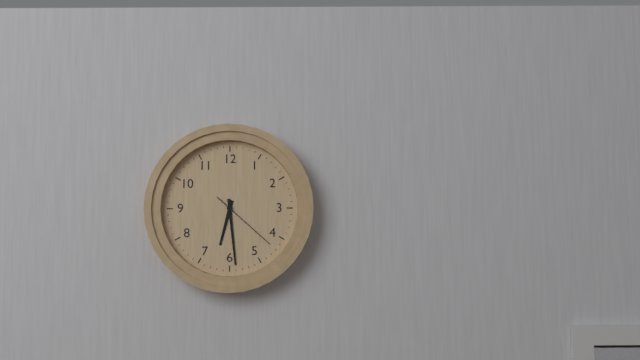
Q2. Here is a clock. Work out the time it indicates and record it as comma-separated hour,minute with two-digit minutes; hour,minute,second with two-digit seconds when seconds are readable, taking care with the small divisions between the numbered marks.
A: 6,29,22
